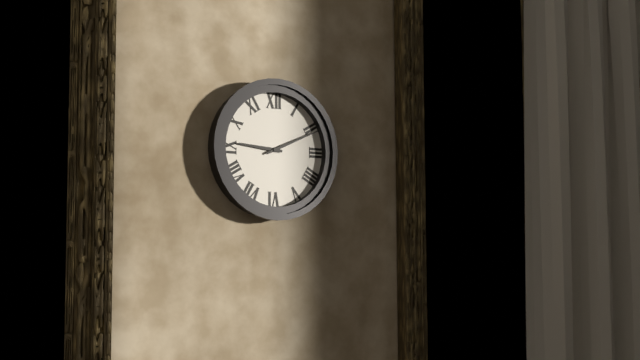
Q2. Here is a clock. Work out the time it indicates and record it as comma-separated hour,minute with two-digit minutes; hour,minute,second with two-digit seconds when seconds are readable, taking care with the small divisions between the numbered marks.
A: 9,11
